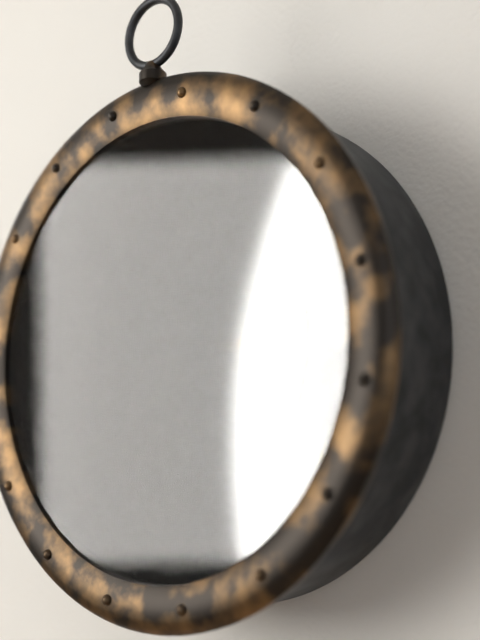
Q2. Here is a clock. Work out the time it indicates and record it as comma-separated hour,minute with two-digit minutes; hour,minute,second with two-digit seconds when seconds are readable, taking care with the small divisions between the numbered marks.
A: 3,05
